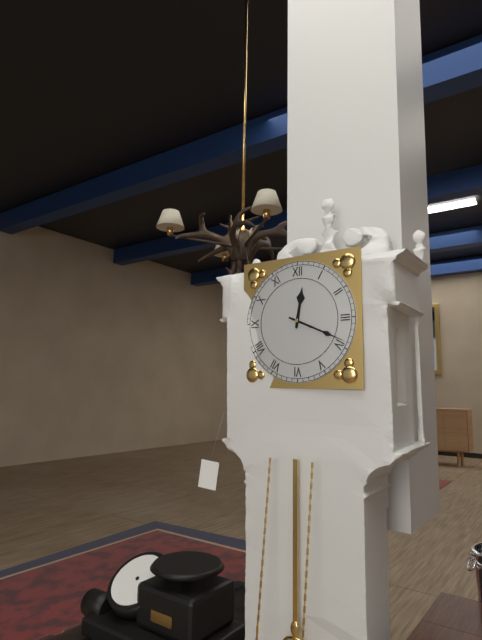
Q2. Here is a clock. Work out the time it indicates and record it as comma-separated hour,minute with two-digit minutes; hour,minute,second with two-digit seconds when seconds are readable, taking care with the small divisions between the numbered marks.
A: 12,19
